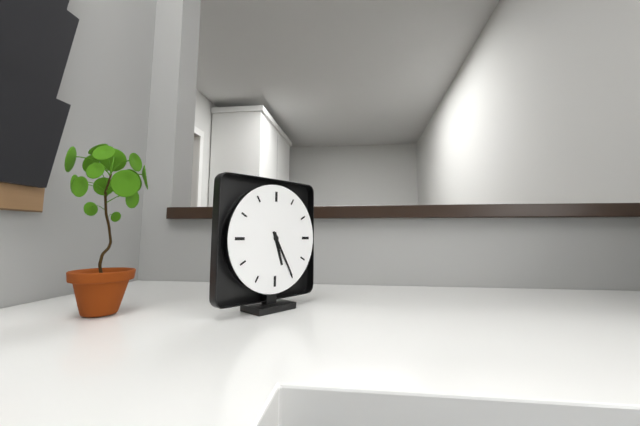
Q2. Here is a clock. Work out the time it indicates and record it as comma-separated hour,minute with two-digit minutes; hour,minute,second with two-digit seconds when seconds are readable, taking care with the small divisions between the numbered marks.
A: 5,25
